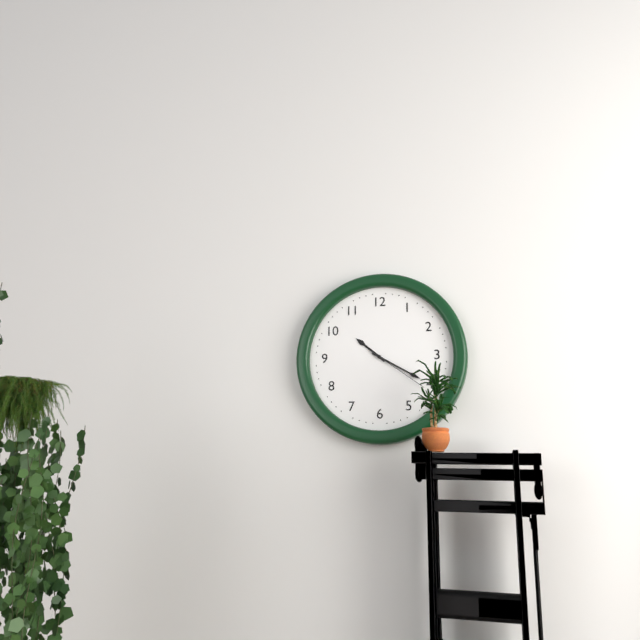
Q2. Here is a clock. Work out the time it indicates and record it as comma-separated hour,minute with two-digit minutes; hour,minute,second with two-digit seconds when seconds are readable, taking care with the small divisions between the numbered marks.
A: 10,20,21
